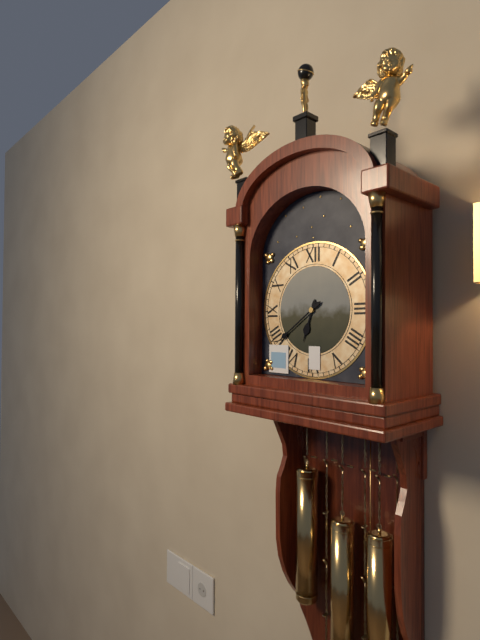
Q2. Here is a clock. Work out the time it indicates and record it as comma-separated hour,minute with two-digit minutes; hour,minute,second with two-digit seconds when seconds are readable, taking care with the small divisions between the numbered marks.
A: 6,39
